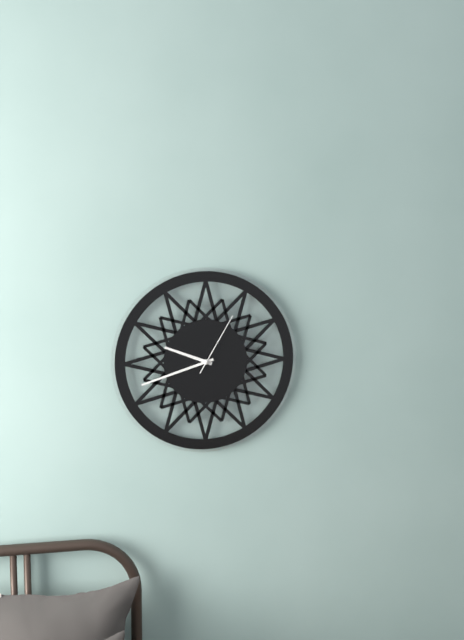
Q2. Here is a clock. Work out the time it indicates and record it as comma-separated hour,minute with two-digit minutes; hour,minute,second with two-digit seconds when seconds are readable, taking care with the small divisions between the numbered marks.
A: 9,42,05
